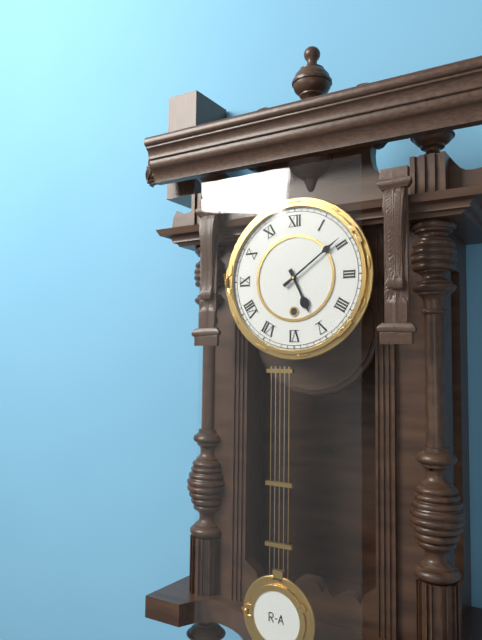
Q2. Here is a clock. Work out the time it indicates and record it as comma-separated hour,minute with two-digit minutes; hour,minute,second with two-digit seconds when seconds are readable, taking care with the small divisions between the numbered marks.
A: 5,09
